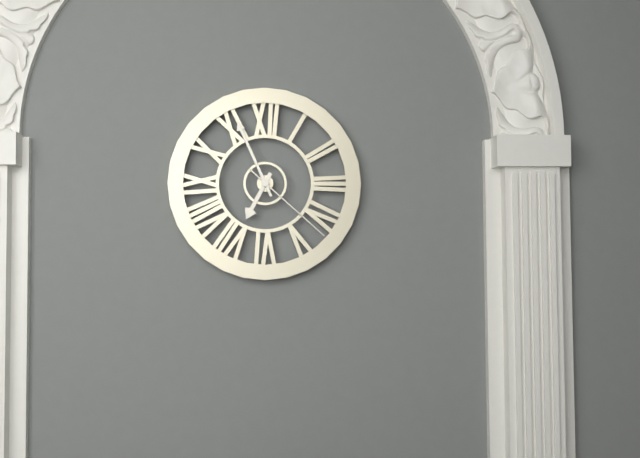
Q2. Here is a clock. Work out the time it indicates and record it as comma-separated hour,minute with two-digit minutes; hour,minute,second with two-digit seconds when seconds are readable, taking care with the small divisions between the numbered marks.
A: 6,56,22
